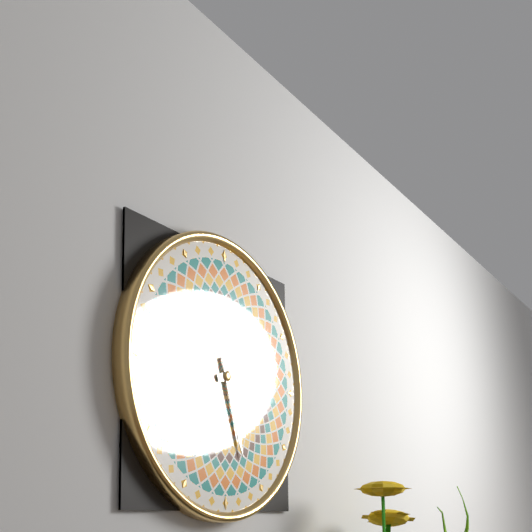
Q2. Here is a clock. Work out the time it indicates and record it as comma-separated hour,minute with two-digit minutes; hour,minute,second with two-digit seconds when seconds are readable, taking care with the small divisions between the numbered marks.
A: 2,27
